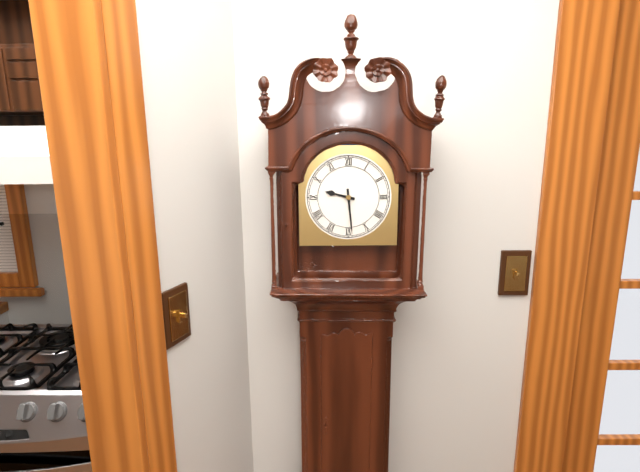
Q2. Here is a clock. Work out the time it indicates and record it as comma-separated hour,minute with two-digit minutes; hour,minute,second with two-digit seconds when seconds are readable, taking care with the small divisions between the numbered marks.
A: 9,29
